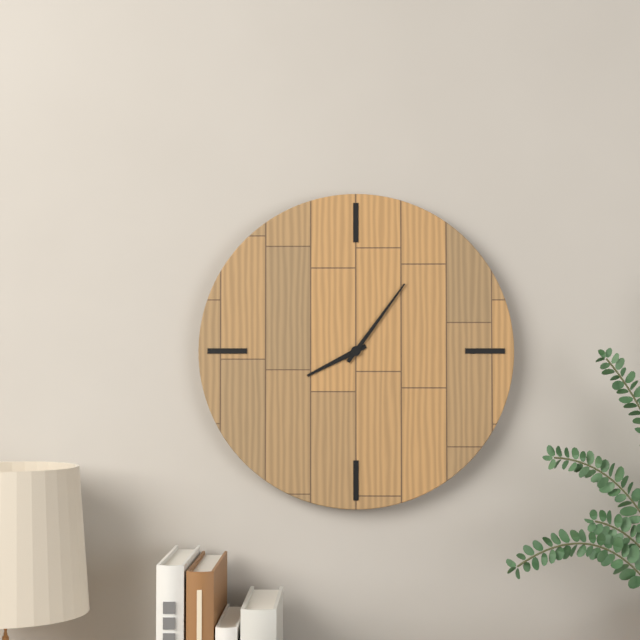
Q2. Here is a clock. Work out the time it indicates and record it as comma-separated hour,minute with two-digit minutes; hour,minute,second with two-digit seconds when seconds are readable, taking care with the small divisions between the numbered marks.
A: 8,06
